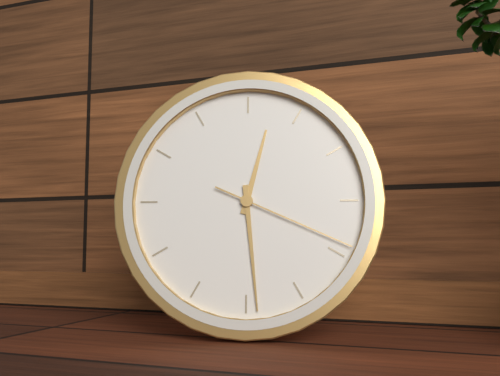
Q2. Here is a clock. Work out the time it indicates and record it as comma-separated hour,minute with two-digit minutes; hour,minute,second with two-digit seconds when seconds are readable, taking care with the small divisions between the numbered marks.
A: 12,29,19
